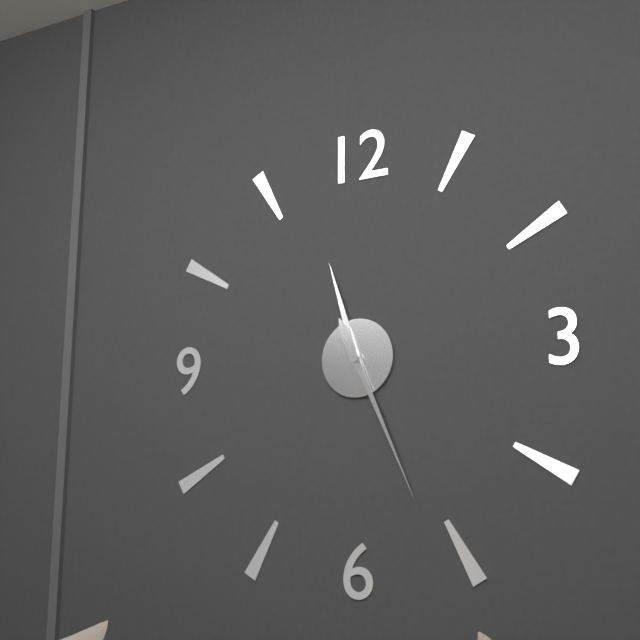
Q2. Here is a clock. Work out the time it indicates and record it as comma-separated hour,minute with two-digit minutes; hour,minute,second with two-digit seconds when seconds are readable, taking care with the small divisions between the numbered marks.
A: 11,26
